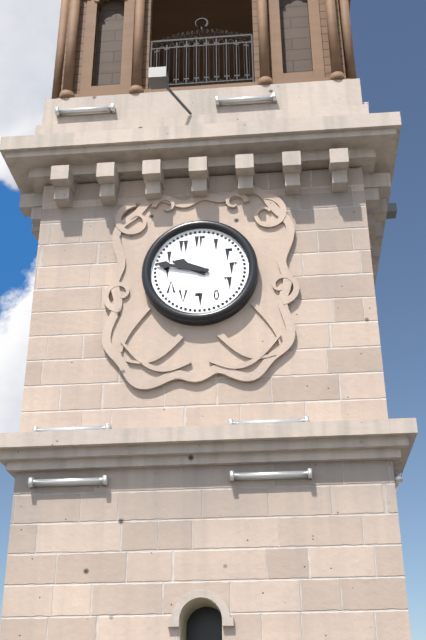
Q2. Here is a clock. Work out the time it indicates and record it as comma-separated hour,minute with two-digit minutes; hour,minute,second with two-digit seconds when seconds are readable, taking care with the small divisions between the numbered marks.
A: 9,47
